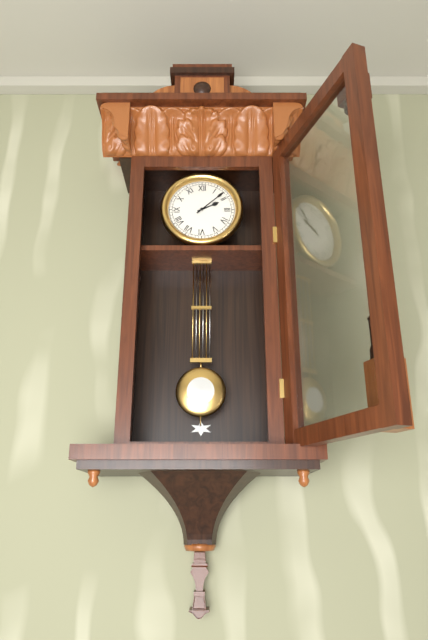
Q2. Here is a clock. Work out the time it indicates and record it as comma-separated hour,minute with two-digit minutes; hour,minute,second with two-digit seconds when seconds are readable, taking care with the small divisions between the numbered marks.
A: 2,08
